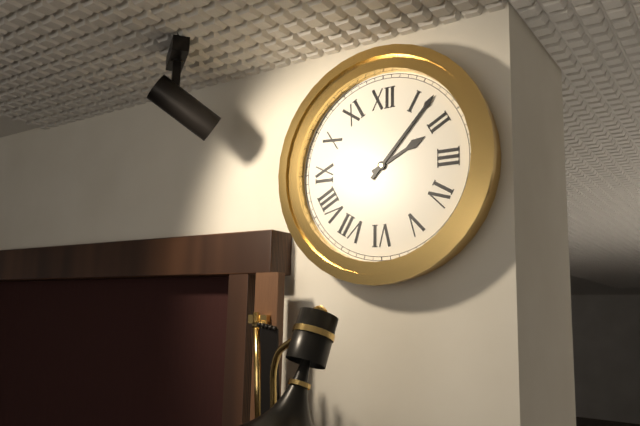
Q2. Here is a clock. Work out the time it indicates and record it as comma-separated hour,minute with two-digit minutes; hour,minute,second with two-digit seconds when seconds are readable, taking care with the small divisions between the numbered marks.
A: 2,07
